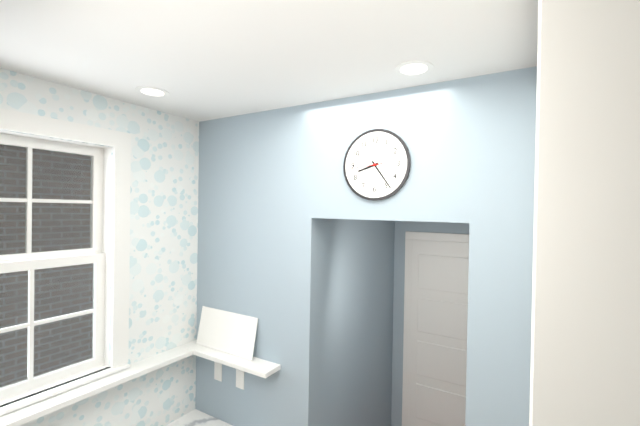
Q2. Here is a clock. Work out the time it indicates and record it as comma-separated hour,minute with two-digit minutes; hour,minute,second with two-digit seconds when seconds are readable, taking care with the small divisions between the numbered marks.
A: 8,24
